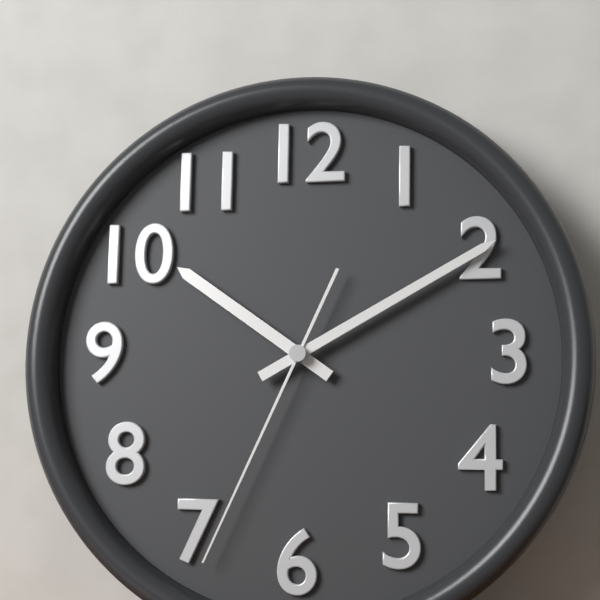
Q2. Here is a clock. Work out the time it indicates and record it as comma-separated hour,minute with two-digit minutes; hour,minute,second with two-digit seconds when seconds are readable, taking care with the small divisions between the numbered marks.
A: 10,10,34
